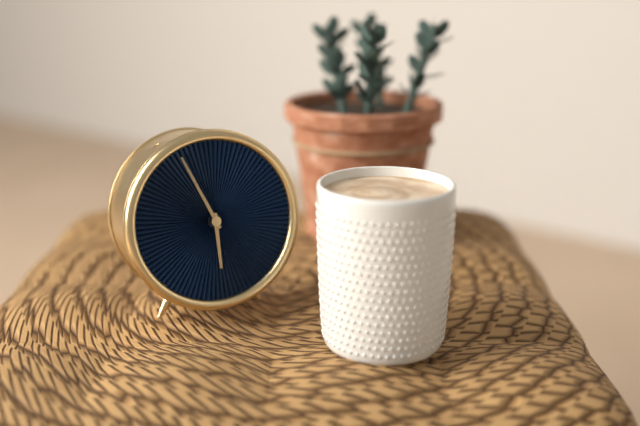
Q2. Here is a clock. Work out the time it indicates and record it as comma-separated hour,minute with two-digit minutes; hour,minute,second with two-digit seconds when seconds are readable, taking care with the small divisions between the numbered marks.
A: 5,56
